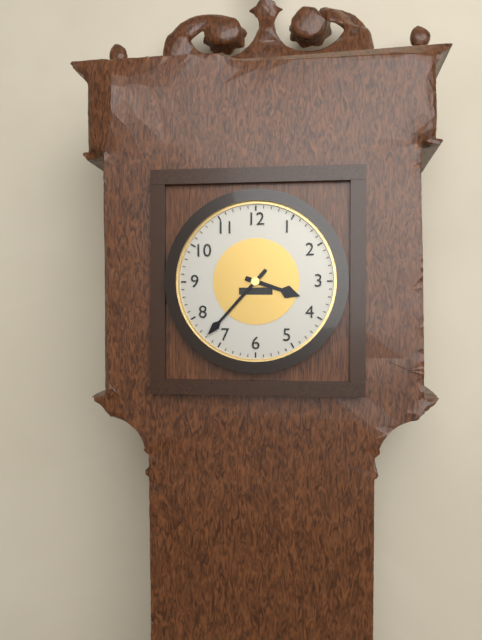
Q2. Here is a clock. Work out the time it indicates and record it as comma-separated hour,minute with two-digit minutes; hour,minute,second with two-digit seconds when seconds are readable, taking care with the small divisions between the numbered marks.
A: 3,37
